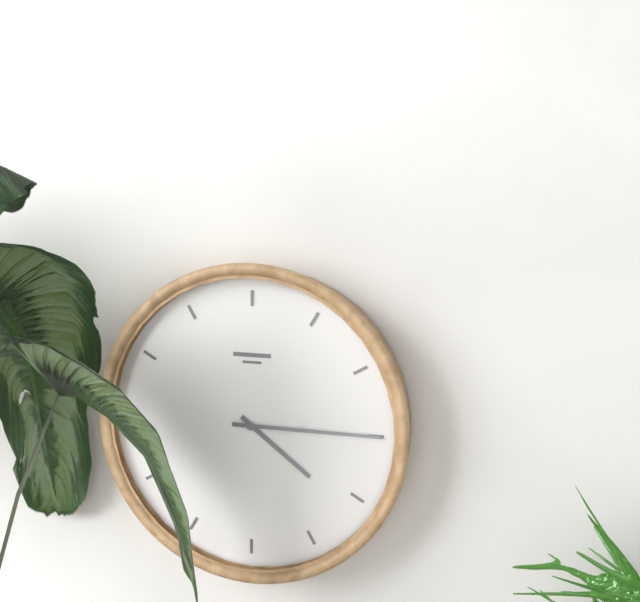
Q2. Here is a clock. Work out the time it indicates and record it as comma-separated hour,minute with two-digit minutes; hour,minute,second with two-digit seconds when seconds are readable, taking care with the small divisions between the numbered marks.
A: 4,15
